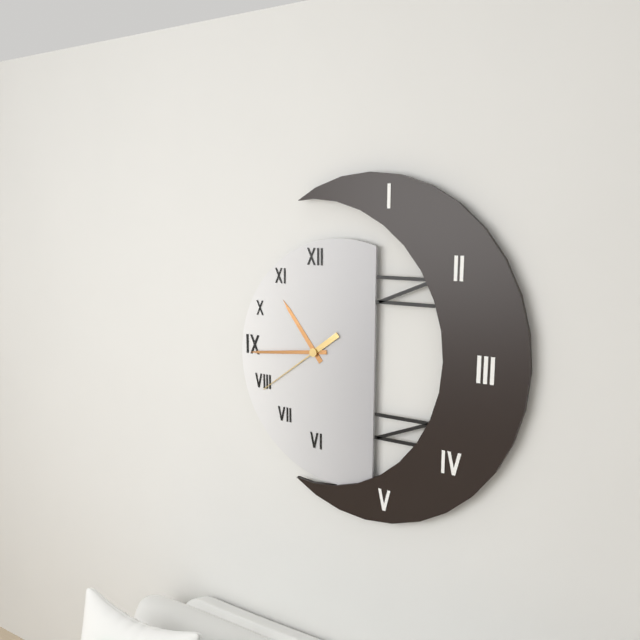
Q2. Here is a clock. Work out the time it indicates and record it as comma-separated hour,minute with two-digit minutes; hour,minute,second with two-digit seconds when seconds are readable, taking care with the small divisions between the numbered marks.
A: 10,44,39
